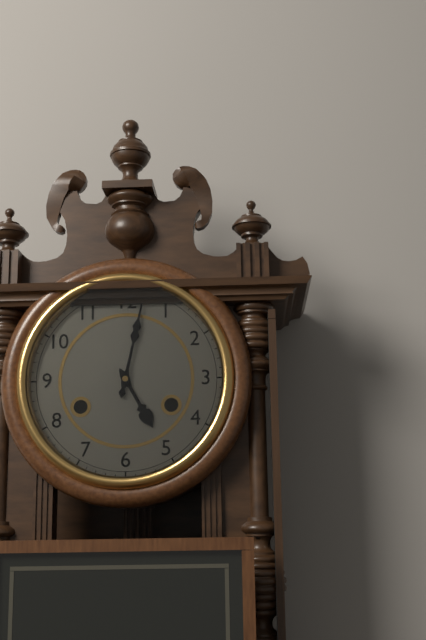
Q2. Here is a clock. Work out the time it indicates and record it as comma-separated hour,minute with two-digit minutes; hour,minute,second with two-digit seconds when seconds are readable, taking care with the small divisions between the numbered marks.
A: 5,02
